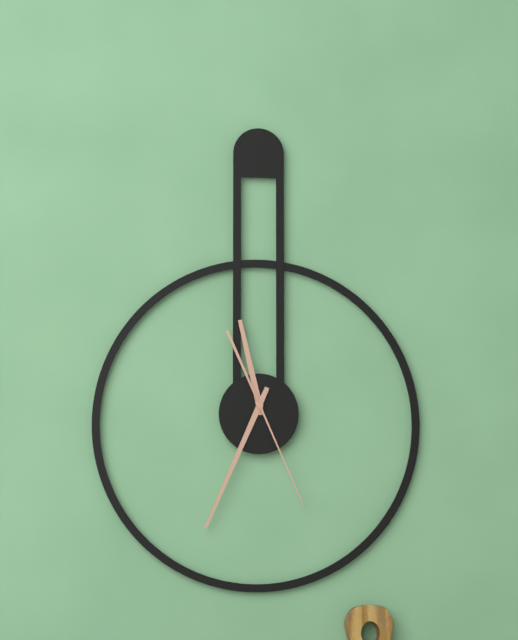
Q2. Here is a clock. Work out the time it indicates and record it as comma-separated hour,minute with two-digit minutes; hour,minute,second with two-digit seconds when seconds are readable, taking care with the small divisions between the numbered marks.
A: 11,34,26
